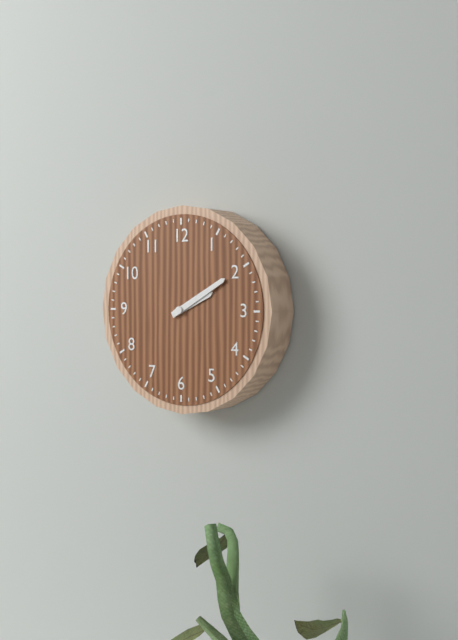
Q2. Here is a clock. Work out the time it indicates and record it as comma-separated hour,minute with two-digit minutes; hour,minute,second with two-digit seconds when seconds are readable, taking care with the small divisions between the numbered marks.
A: 2,10
